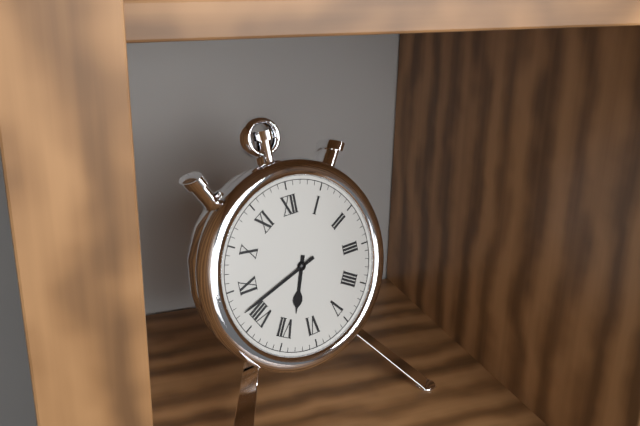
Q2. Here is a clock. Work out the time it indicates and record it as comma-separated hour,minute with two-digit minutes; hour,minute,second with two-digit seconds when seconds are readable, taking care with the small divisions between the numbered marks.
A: 6,42
